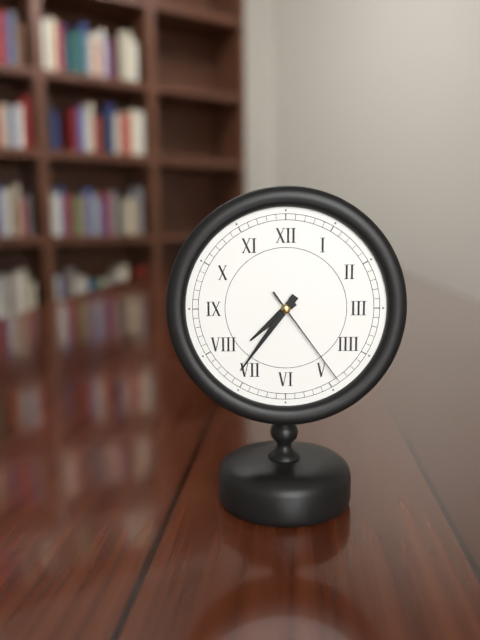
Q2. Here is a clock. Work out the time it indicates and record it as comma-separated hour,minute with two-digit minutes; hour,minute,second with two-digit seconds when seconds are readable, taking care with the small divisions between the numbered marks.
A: 7,36,24
